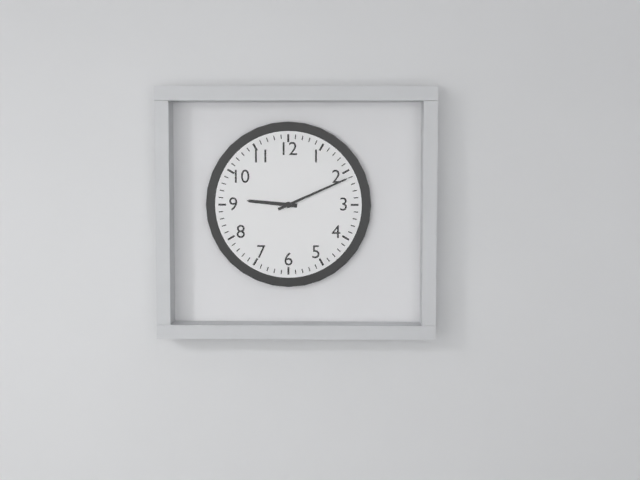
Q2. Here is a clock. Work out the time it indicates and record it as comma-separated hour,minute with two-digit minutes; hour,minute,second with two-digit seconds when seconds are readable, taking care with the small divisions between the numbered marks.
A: 9,11
